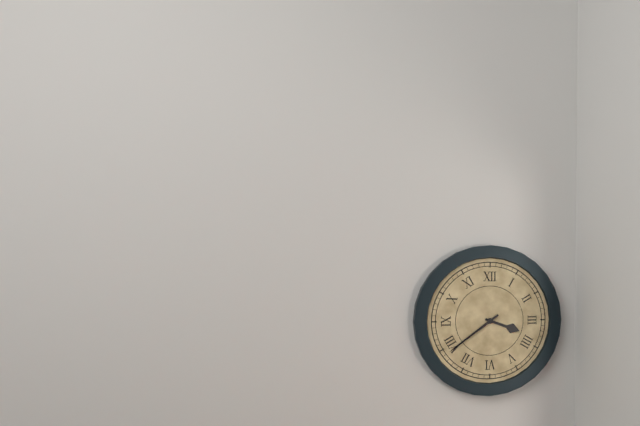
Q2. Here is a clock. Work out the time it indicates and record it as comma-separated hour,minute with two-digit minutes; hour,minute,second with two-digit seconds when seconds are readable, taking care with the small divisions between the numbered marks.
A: 3,39
